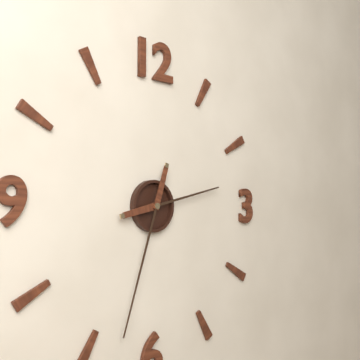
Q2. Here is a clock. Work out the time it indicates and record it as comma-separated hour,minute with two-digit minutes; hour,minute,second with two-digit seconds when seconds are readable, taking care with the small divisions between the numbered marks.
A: 2,33
